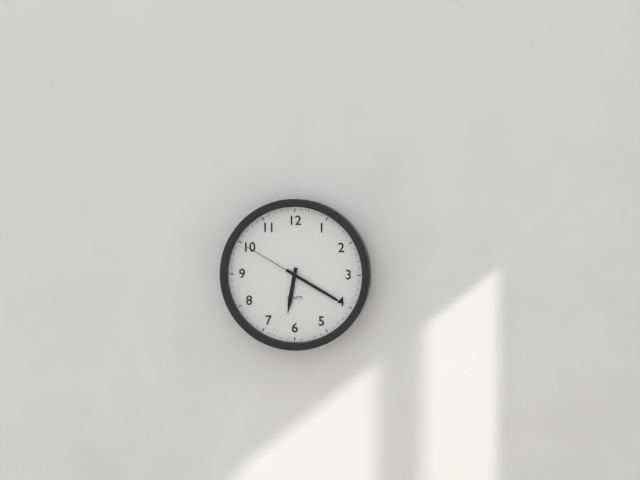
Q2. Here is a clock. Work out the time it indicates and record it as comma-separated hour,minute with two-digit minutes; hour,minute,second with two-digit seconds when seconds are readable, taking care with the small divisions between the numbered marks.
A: 6,20,50
